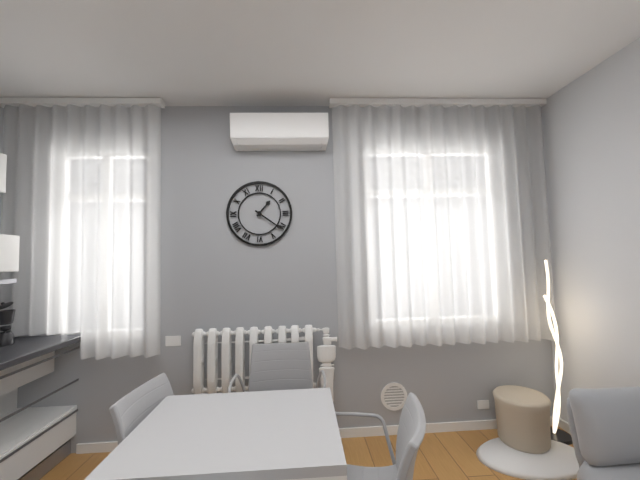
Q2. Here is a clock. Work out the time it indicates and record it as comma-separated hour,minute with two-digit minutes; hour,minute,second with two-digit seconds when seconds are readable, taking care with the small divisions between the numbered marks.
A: 1,21
